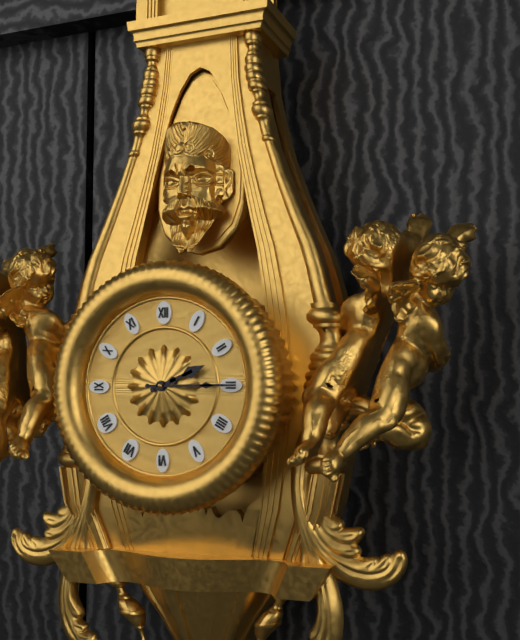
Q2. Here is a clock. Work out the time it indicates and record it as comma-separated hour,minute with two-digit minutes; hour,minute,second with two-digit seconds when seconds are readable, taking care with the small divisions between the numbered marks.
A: 2,15
